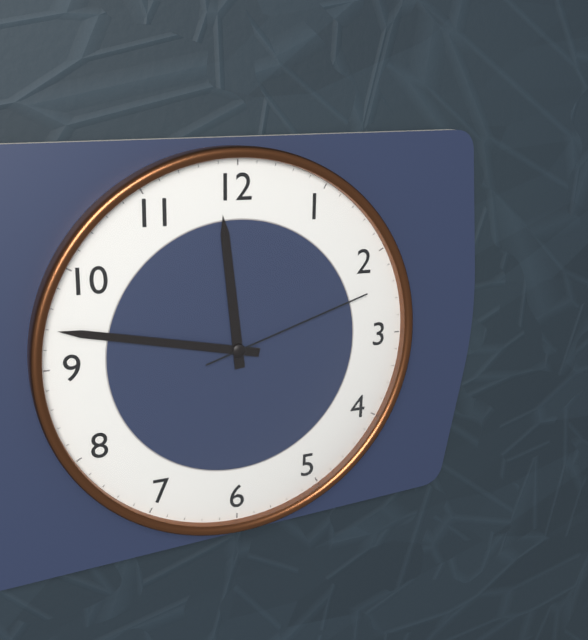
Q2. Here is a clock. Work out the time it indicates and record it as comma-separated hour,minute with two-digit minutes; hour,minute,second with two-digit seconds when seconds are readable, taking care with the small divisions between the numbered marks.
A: 11,47,12
